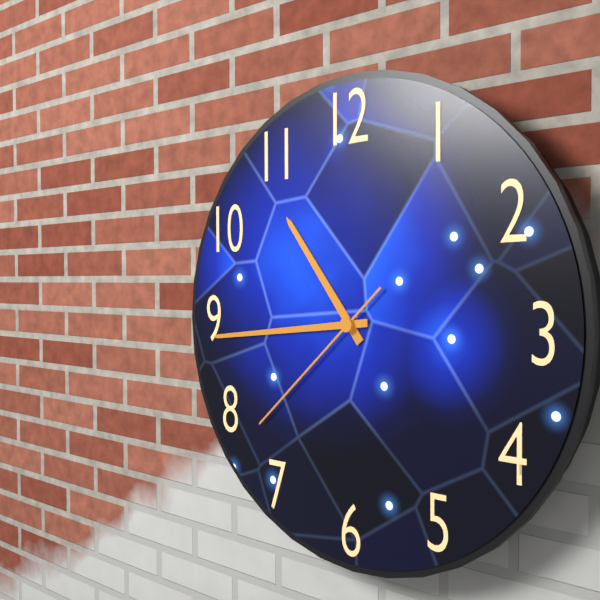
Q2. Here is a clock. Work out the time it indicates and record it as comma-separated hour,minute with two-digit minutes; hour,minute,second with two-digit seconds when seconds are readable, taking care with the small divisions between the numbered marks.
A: 10,44,38
